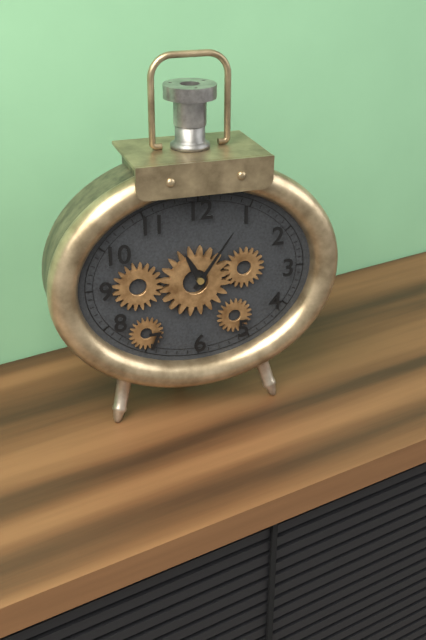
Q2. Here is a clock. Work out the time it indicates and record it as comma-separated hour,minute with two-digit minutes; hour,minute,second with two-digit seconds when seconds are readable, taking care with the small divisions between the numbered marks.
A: 11,06
